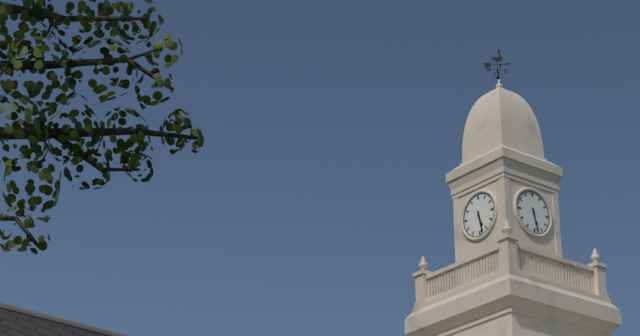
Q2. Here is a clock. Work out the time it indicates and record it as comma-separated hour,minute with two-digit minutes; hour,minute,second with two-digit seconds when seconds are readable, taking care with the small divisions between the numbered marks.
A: 5,28
